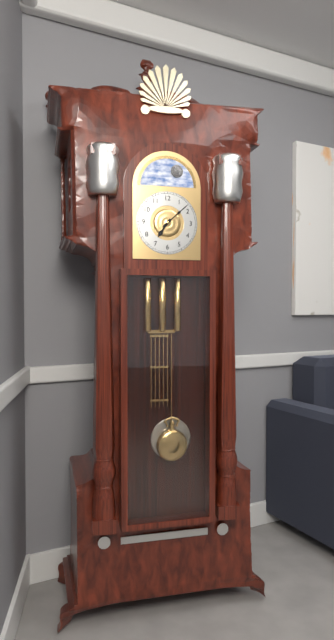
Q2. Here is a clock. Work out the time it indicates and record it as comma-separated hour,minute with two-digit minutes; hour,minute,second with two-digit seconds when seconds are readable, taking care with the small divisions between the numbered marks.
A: 7,08
